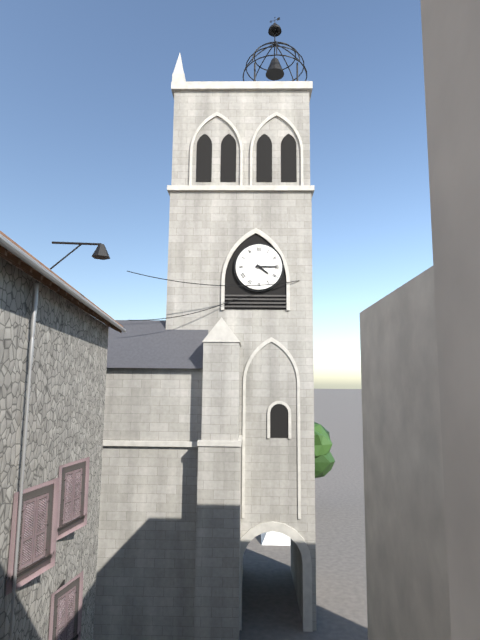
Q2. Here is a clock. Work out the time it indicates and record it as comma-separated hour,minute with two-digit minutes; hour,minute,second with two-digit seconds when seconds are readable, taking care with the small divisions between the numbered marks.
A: 4,15
